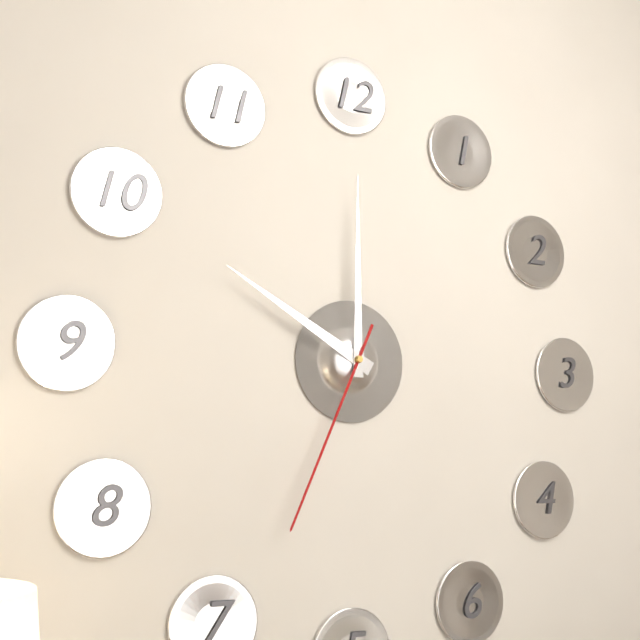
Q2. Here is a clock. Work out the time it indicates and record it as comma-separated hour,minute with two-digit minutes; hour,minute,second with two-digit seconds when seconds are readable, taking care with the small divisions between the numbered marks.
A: 10,00,34
